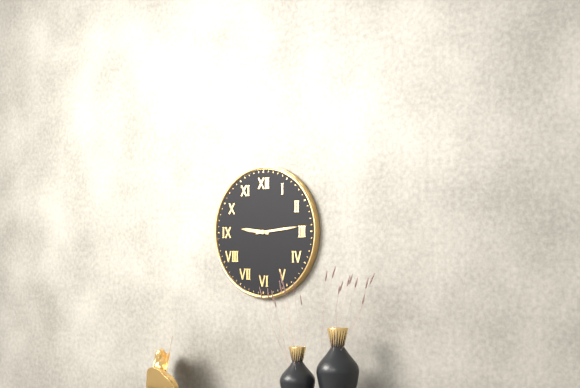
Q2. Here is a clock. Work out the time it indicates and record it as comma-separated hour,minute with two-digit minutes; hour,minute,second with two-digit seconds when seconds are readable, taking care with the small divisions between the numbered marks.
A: 9,14
